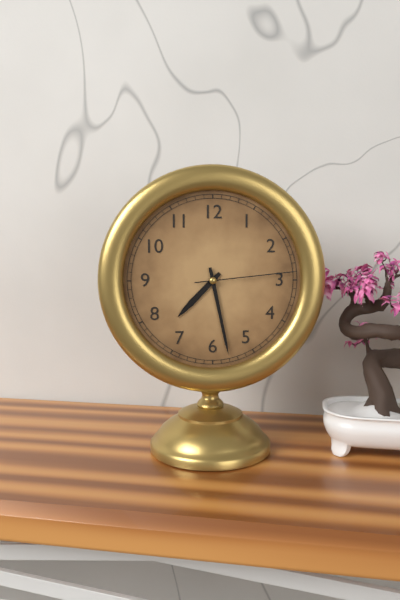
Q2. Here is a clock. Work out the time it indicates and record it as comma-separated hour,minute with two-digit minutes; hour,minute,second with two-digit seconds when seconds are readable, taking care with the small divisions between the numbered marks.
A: 7,28,14
